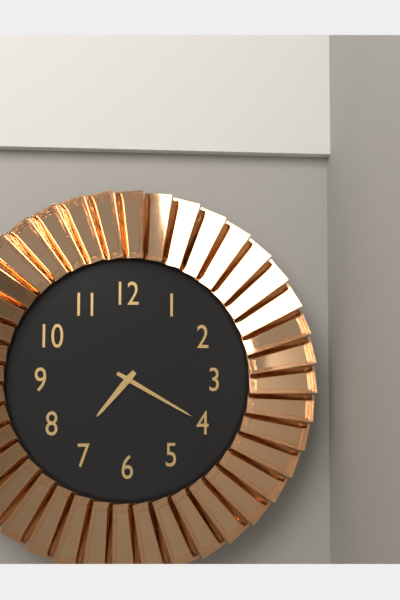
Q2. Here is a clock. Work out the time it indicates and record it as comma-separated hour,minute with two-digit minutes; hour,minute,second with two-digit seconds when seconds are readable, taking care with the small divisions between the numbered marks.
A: 7,20
